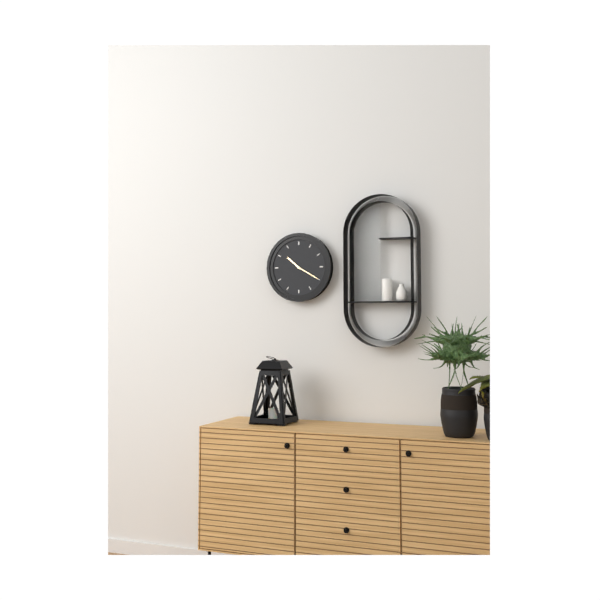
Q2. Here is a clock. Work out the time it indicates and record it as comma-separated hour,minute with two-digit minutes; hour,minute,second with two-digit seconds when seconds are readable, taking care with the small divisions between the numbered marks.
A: 10,20
